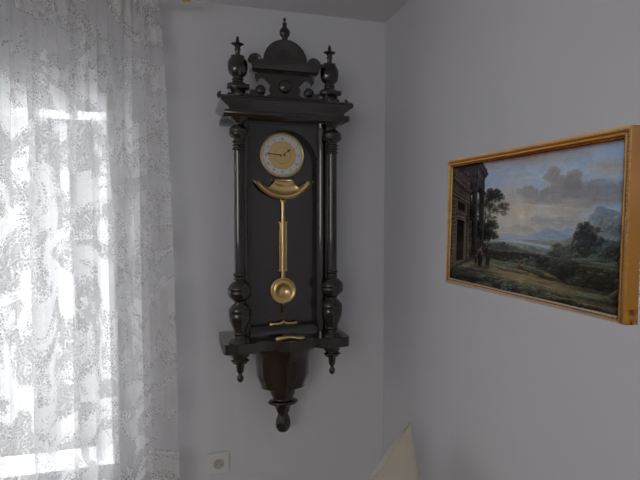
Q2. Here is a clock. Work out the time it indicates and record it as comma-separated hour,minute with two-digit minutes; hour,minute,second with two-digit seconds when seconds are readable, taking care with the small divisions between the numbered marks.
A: 1,46
